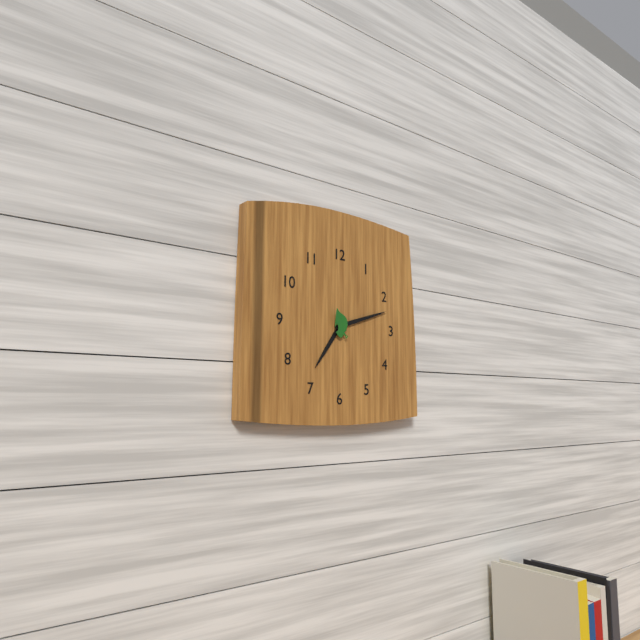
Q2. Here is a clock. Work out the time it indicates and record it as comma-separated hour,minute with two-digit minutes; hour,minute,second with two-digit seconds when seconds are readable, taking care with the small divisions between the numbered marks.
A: 7,12
